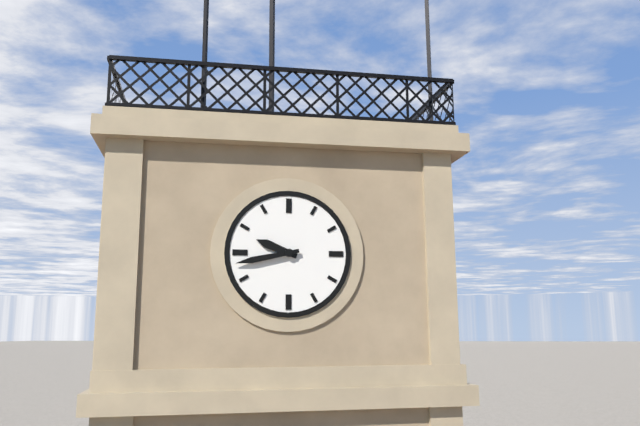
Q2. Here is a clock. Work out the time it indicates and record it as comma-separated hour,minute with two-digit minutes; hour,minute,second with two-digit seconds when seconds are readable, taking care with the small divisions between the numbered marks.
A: 9,43
